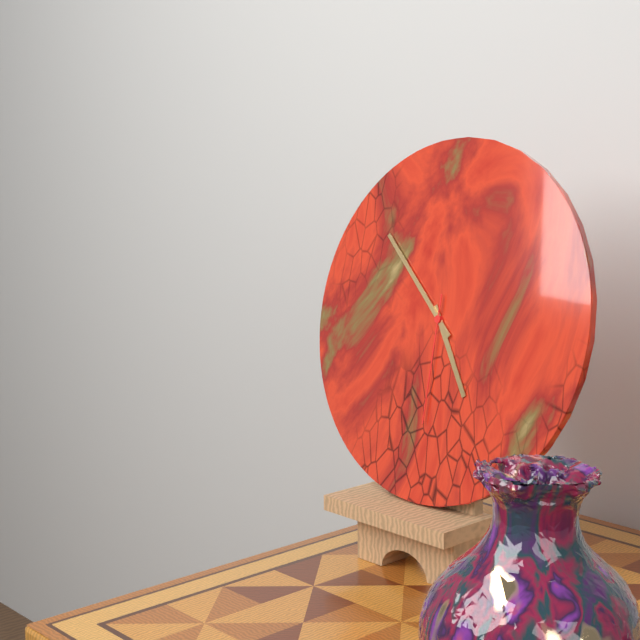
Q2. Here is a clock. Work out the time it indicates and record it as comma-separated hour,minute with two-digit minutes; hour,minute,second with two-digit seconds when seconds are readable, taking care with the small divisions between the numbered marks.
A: 4,52,30
